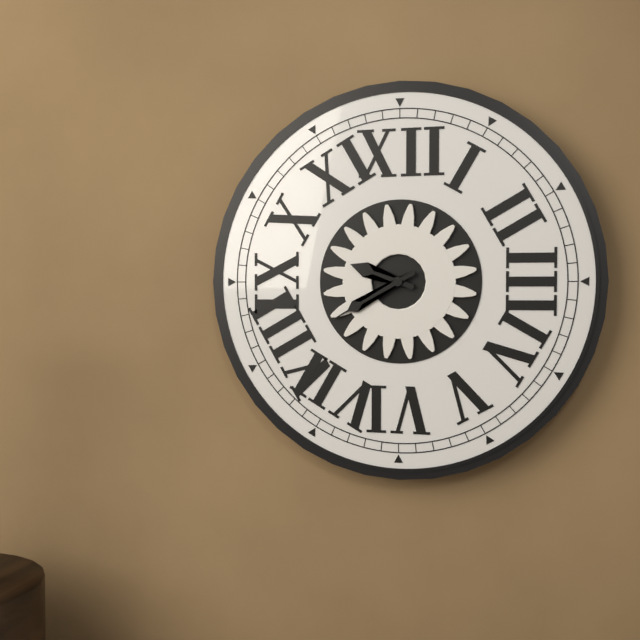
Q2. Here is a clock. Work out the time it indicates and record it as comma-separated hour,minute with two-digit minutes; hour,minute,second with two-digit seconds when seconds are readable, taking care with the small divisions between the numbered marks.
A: 9,40
